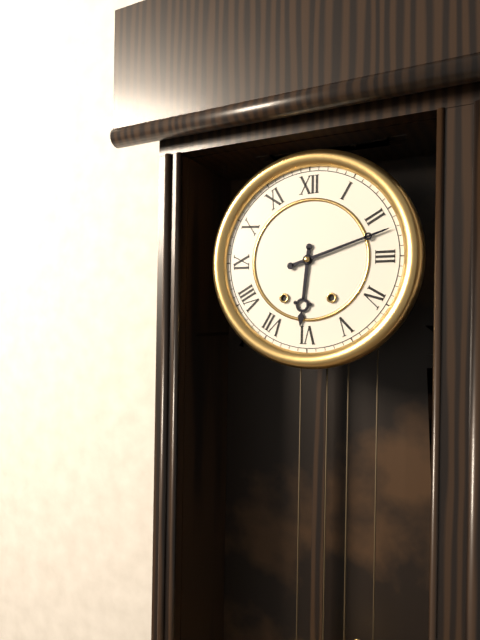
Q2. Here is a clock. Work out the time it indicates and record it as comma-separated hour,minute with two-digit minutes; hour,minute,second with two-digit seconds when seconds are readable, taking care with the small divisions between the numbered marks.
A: 6,12
